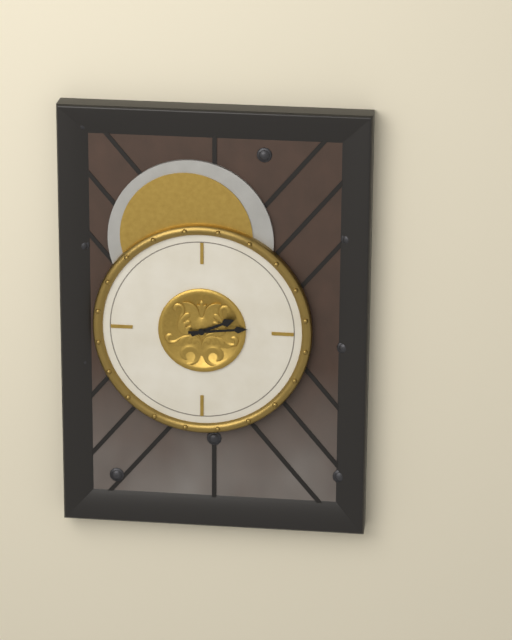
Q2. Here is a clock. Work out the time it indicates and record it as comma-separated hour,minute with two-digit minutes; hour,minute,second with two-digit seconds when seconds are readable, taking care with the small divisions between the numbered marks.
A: 2,14
